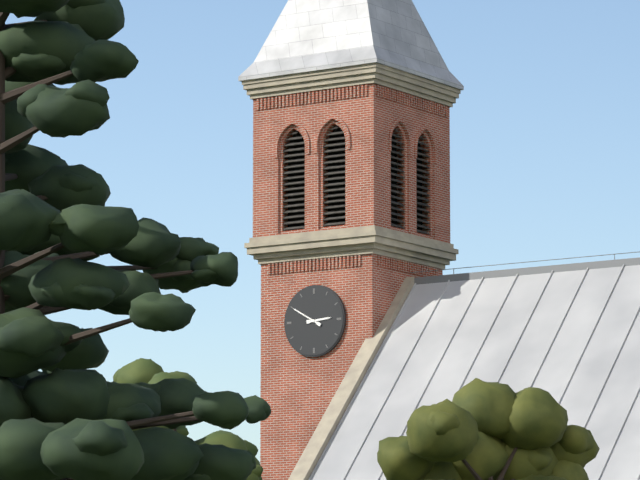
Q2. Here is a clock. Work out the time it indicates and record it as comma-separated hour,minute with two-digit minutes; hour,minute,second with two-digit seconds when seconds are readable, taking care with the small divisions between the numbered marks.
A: 2,50
